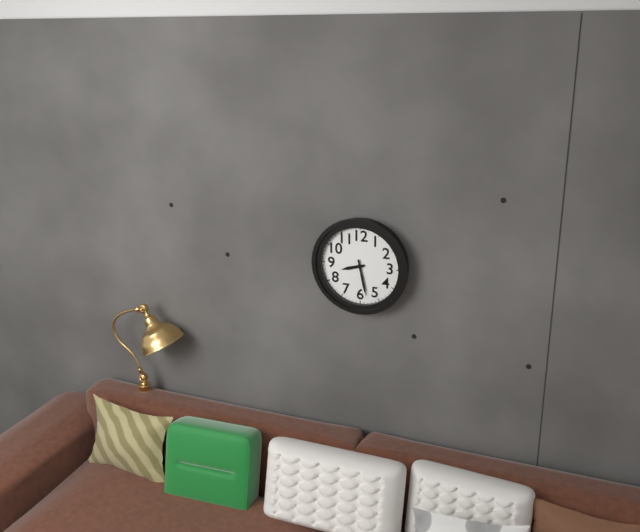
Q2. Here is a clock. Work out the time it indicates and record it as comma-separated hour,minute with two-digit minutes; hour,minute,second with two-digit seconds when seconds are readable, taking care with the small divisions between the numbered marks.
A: 8,28
